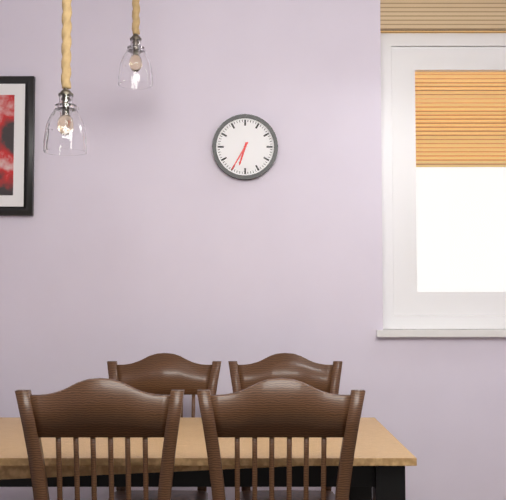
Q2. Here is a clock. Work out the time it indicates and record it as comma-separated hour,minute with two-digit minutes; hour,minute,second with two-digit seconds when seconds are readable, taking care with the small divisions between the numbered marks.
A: 6,35
